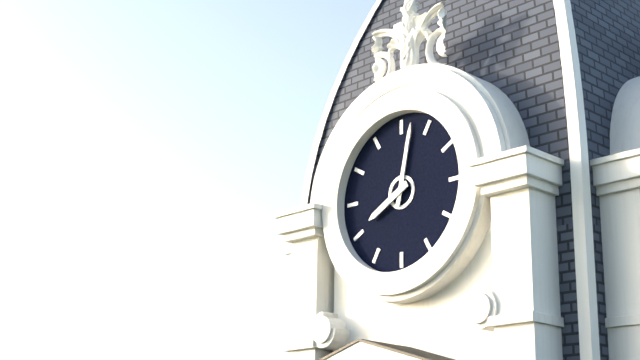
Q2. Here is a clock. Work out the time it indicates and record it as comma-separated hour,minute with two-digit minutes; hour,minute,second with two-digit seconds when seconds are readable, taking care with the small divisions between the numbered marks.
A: 8,02
